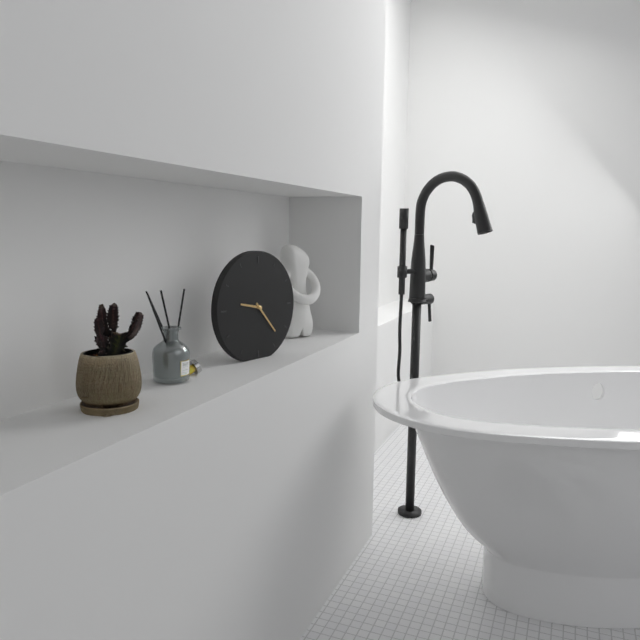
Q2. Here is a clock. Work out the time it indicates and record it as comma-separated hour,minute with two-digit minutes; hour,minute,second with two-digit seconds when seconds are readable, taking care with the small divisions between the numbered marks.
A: 9,23
